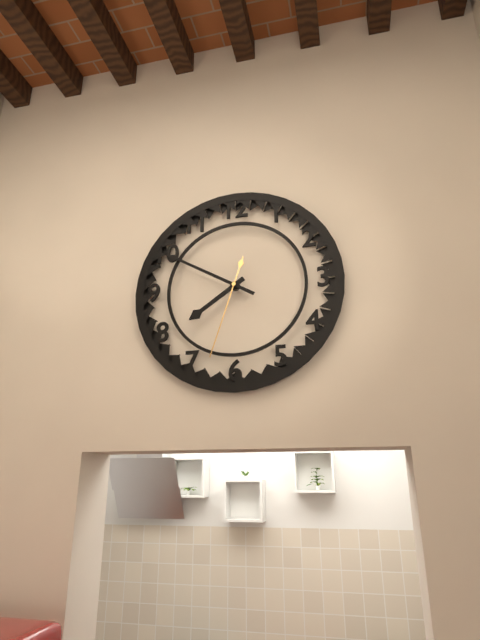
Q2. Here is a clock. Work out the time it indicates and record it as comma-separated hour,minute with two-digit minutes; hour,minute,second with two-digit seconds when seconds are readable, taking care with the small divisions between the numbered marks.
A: 7,50,33
